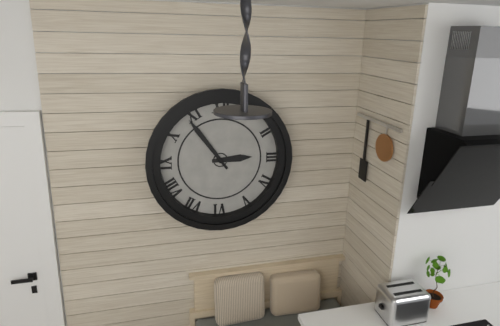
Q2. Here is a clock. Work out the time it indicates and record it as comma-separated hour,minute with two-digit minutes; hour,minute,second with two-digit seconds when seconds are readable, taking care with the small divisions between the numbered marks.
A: 2,54
